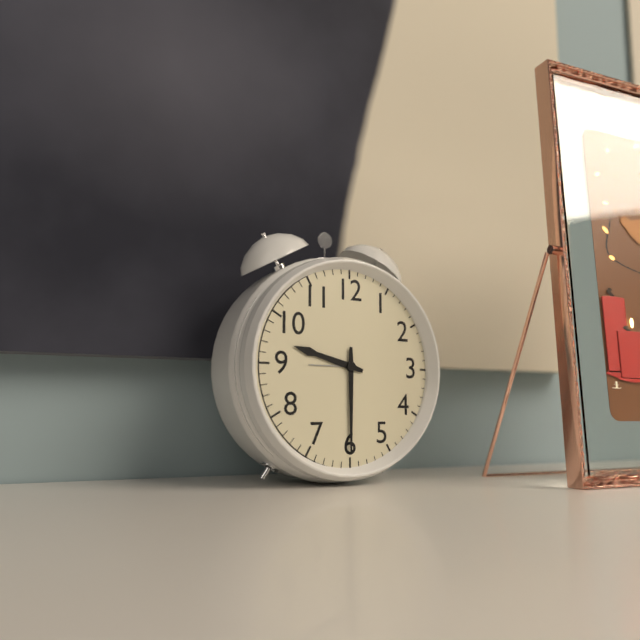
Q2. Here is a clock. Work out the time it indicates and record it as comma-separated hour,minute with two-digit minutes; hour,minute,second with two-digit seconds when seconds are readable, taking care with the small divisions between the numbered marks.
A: 9,30
